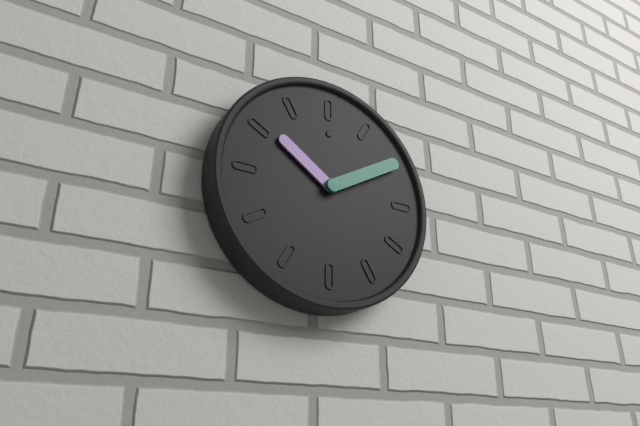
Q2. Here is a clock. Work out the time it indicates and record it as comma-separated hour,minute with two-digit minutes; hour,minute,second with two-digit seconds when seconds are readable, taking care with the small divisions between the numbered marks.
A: 10,10
